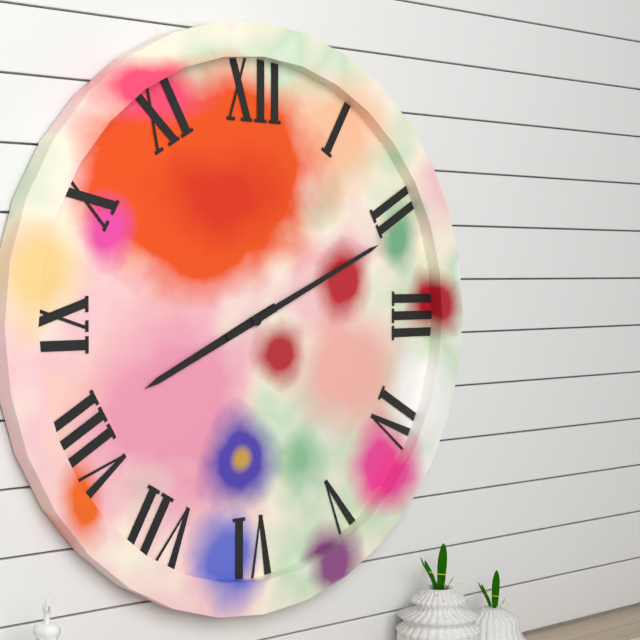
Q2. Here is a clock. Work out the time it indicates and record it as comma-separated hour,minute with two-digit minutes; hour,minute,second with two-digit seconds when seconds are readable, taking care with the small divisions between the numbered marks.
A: 8,11
